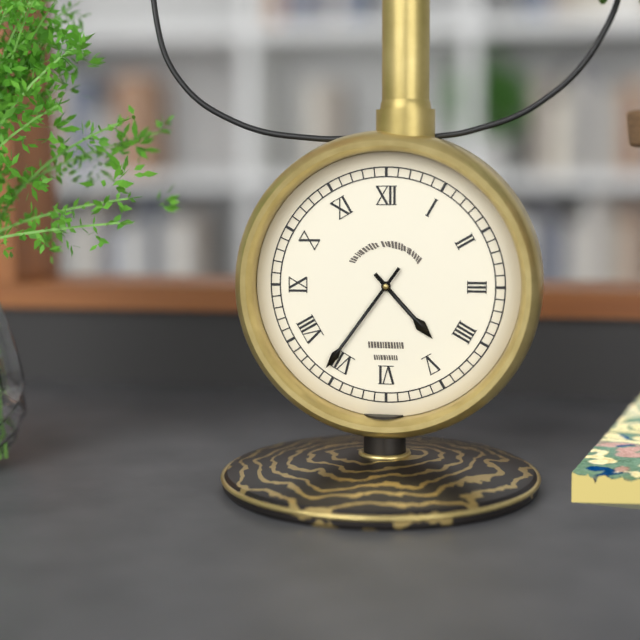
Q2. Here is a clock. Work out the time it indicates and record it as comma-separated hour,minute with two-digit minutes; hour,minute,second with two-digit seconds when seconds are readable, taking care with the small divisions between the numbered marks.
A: 4,36
